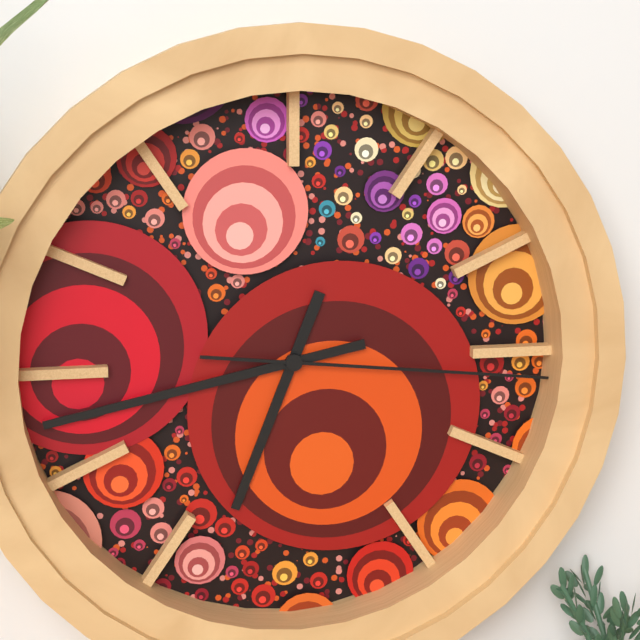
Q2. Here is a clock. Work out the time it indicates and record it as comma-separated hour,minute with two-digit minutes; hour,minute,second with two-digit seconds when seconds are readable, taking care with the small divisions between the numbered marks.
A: 6,43,16
